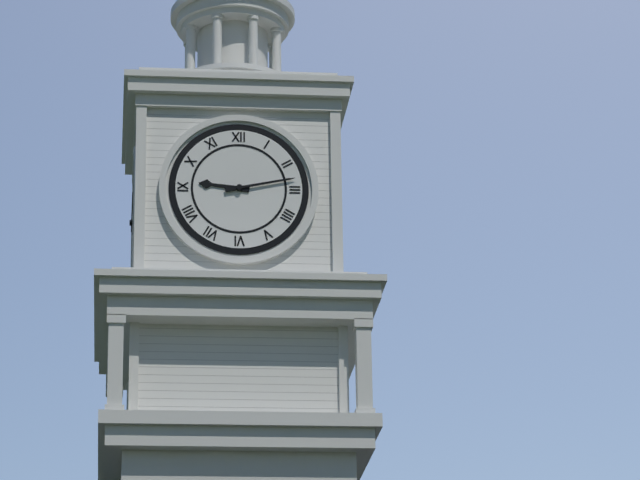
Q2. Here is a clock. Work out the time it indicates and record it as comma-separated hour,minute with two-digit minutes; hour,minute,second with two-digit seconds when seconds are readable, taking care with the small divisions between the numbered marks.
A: 9,13
